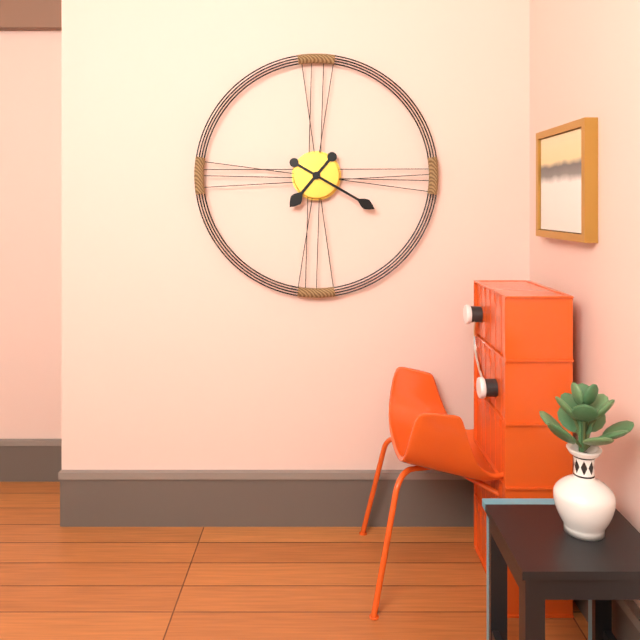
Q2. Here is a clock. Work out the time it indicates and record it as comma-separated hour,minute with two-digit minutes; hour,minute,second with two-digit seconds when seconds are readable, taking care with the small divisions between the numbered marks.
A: 7,20
